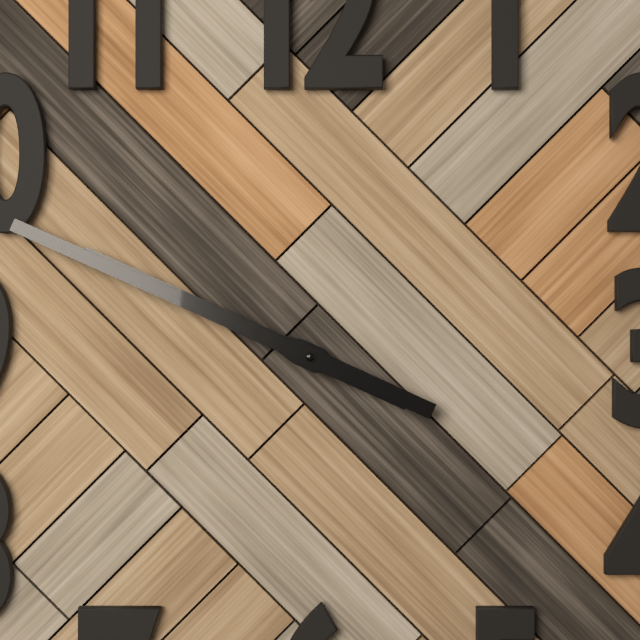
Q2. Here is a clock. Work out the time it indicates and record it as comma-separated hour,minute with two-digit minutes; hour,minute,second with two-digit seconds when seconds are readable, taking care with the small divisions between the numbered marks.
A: 9,49
